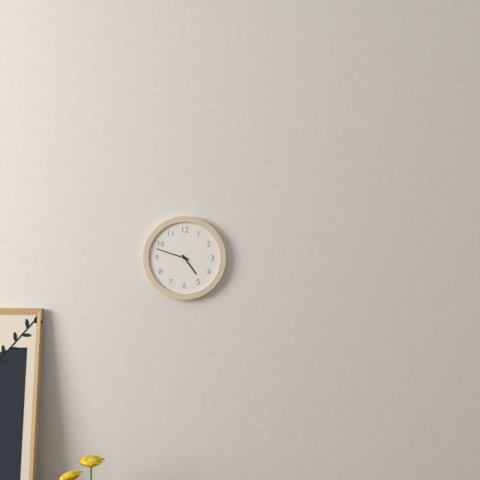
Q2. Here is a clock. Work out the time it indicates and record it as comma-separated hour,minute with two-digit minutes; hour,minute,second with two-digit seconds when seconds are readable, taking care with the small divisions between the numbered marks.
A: 4,48
